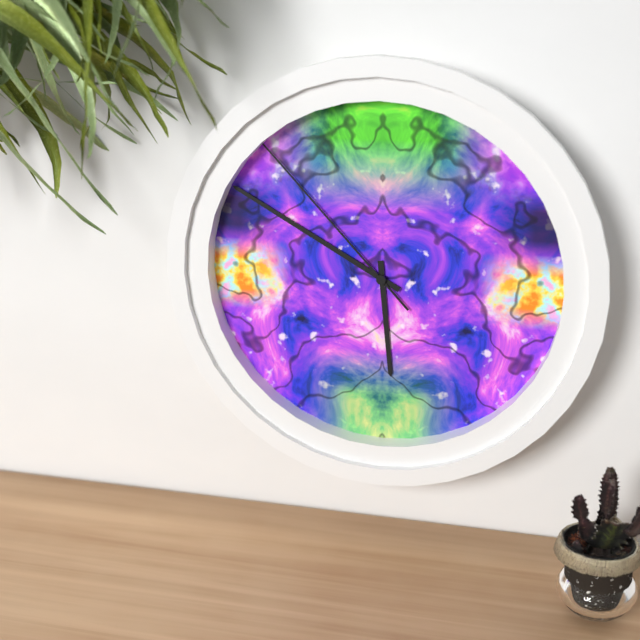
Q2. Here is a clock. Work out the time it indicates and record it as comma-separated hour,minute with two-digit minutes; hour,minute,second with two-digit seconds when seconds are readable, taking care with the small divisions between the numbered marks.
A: 5,50,53
